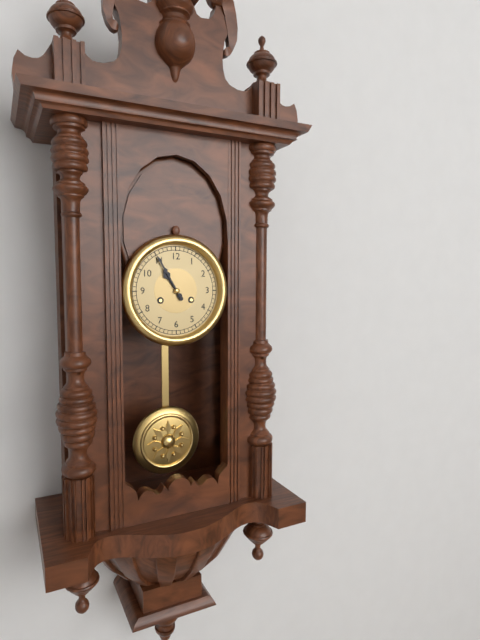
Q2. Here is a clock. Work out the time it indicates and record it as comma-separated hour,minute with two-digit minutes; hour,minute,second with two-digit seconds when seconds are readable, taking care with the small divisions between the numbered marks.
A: 10,55
